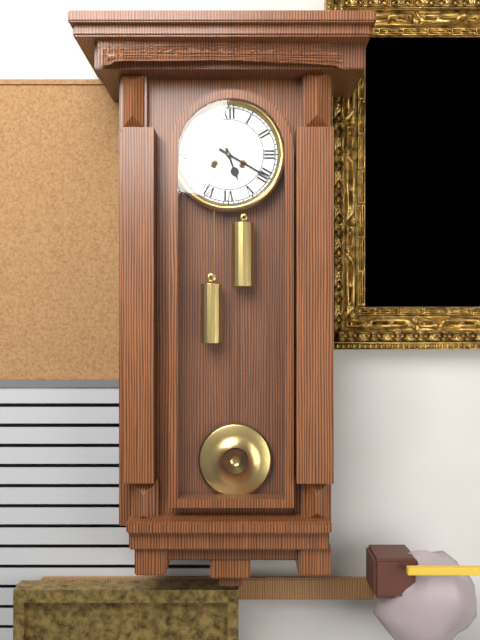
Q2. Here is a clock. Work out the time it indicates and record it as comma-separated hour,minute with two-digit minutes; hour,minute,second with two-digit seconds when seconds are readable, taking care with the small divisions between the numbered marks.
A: 5,20
